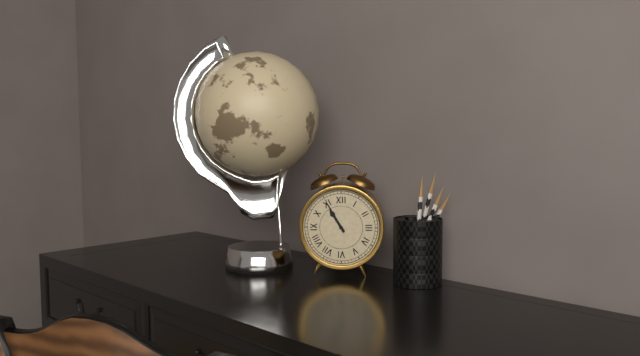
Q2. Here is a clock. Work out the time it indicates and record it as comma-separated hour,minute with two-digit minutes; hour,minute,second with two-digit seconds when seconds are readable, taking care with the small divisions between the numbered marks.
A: 10,55
